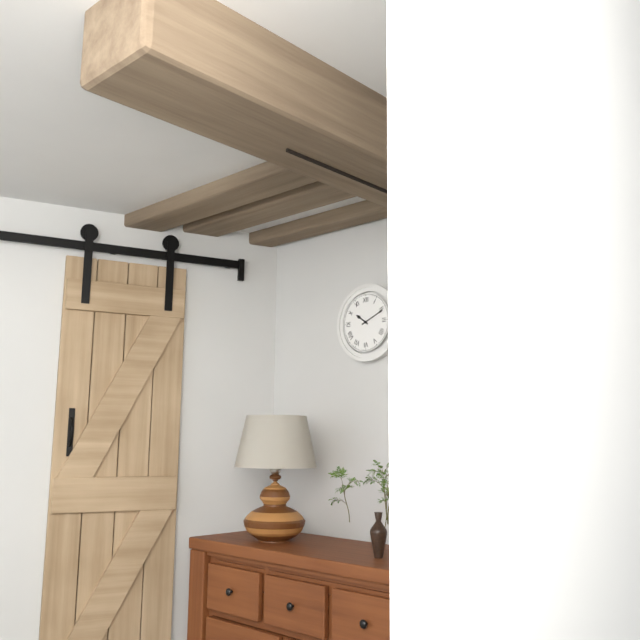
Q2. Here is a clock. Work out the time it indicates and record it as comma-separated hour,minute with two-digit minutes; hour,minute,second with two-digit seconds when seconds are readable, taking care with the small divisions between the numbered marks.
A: 10,11
